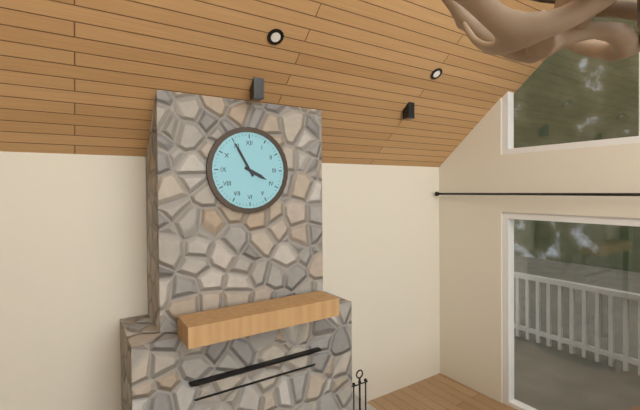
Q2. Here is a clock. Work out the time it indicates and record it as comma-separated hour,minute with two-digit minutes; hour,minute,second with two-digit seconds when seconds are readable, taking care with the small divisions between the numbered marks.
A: 3,55
